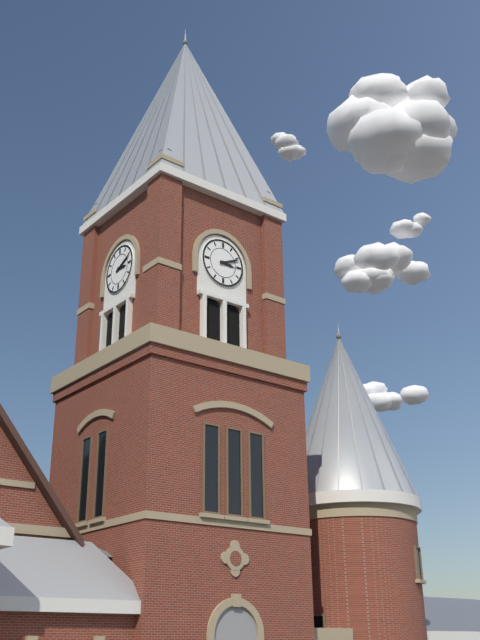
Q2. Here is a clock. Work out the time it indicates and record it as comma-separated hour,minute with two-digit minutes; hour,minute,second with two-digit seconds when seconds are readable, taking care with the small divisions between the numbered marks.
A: 3,11
